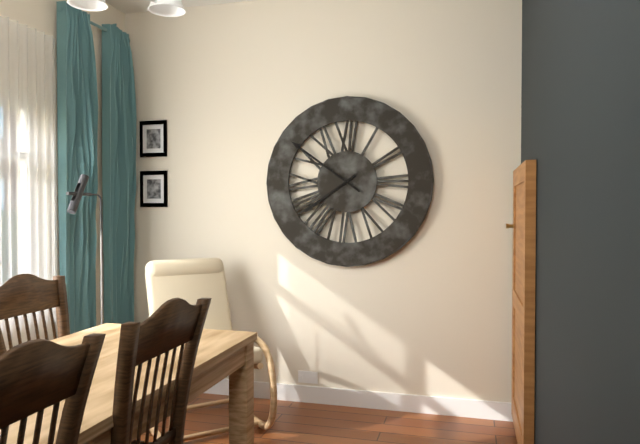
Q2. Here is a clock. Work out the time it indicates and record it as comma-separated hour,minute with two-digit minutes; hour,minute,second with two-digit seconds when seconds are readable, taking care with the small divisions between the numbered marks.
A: 7,51
